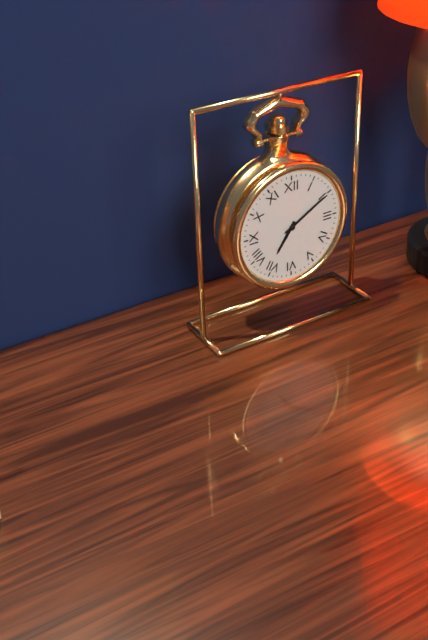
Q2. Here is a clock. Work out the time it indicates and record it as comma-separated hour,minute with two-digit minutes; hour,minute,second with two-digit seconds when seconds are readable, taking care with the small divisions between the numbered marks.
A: 7,10
